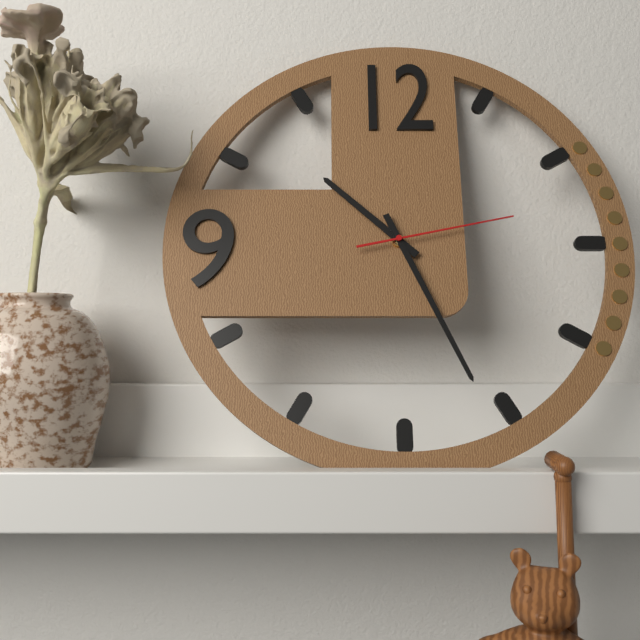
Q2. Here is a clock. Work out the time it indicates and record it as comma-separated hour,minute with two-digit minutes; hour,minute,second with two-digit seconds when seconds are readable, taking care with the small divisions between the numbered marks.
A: 10,26,13
